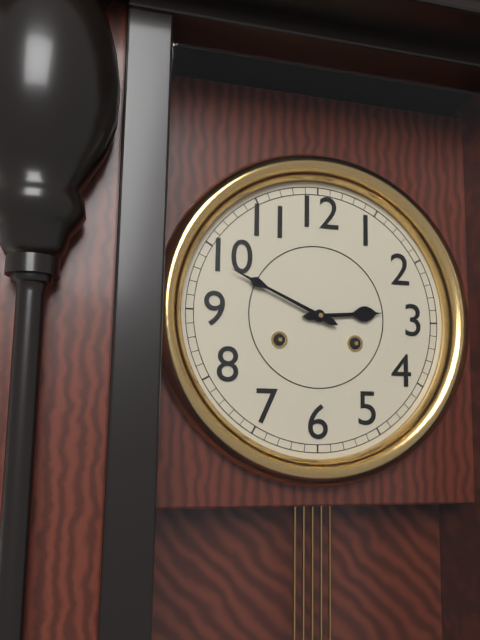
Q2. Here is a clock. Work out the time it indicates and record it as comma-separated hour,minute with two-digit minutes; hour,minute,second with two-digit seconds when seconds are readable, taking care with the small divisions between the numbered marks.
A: 2,49
